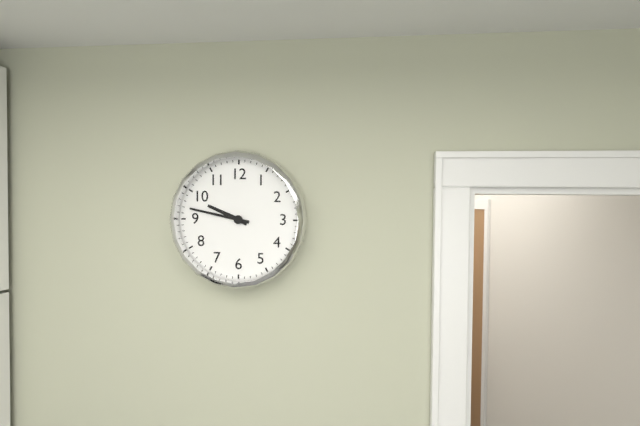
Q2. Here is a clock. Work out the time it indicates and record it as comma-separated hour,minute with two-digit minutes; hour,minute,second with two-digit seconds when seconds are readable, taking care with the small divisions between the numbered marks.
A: 9,47
